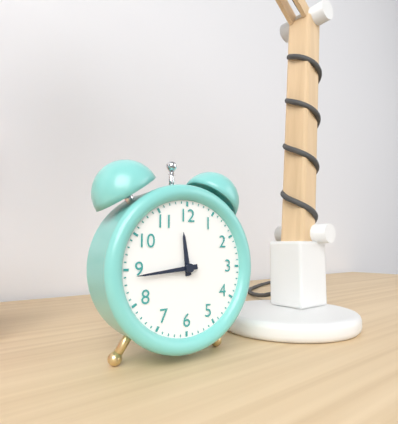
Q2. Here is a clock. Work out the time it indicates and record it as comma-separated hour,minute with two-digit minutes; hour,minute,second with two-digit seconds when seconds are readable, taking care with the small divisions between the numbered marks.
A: 11,44
